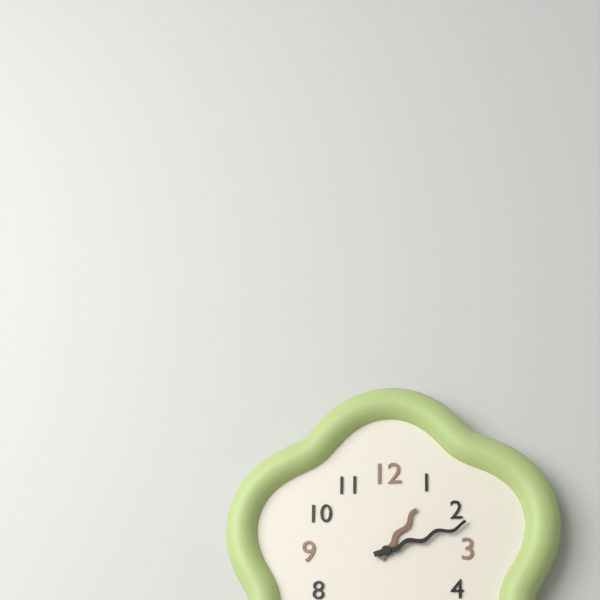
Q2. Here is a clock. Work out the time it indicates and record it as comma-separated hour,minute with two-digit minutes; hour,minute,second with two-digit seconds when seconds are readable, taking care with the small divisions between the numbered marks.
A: 1,12
